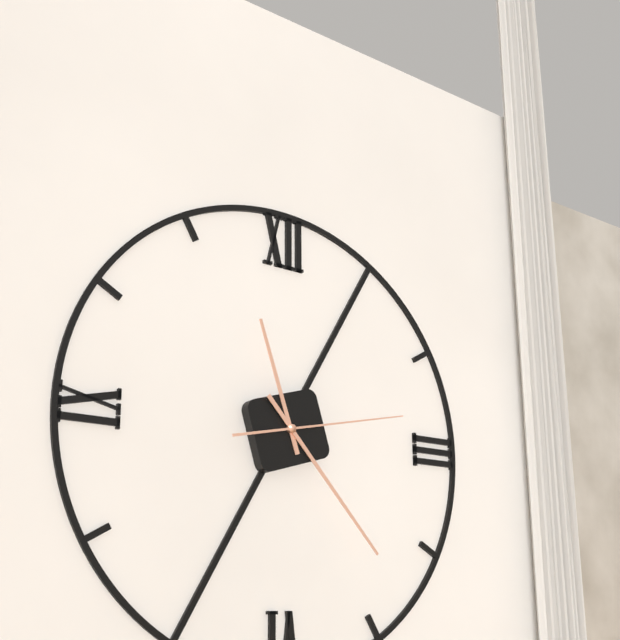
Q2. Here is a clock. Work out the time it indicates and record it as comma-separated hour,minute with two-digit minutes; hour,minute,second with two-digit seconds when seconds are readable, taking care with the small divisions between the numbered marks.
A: 11,23,13
